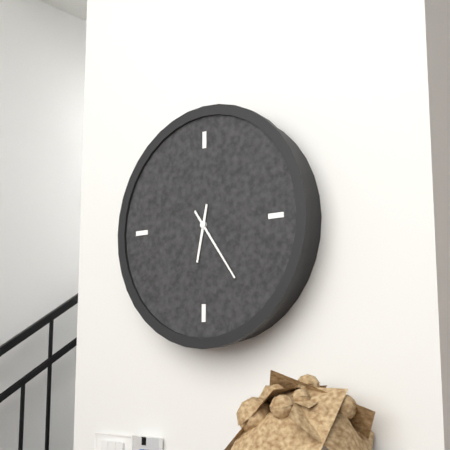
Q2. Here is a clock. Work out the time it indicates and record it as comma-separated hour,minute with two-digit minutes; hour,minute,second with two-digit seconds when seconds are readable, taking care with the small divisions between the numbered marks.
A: 6,24
